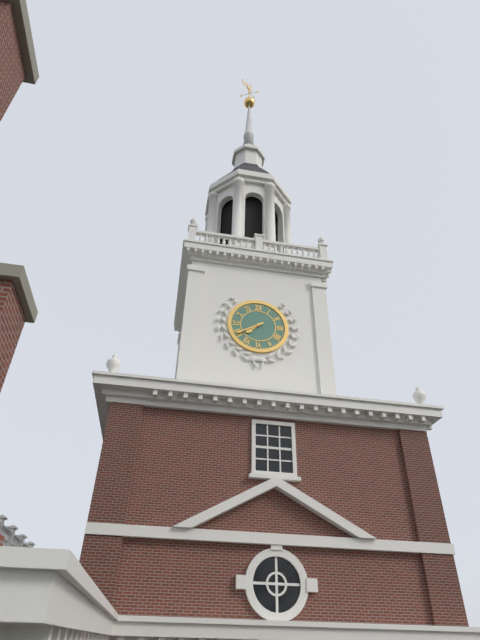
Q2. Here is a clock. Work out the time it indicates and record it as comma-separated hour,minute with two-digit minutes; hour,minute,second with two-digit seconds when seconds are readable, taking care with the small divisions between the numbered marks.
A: 7,40
